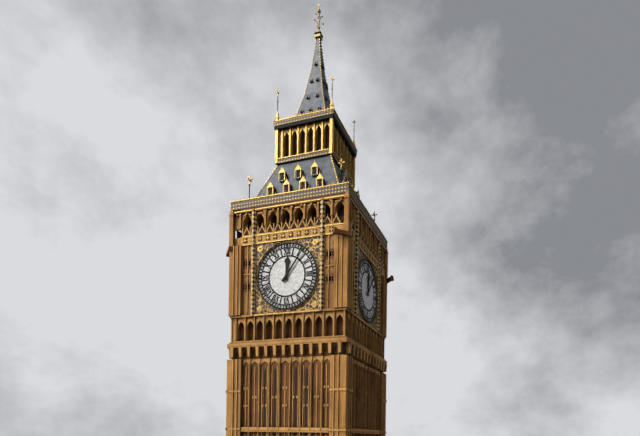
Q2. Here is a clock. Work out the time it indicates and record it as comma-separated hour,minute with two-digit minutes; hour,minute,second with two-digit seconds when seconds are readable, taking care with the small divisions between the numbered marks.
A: 12,06
